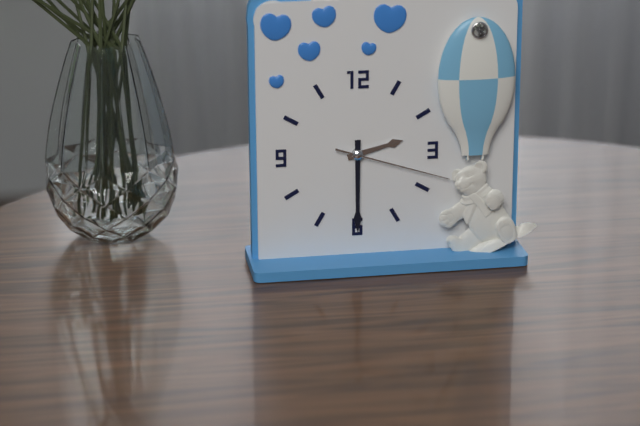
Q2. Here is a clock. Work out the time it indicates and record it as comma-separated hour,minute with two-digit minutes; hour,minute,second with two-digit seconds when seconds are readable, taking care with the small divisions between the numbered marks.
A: 2,30,18
